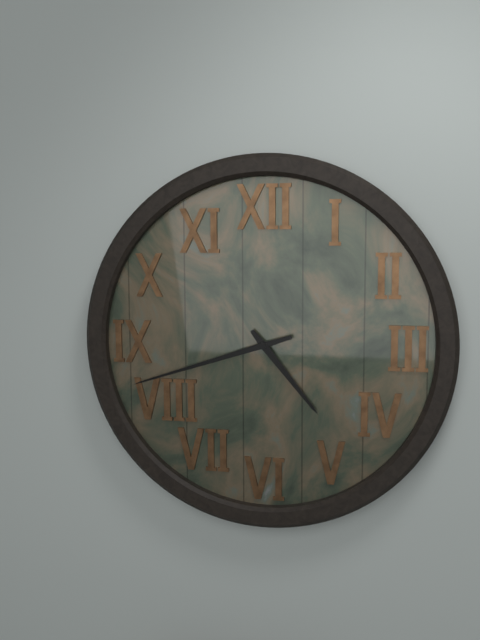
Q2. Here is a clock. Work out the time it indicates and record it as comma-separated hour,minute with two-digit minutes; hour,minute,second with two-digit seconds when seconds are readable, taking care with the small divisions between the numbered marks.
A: 4,42
